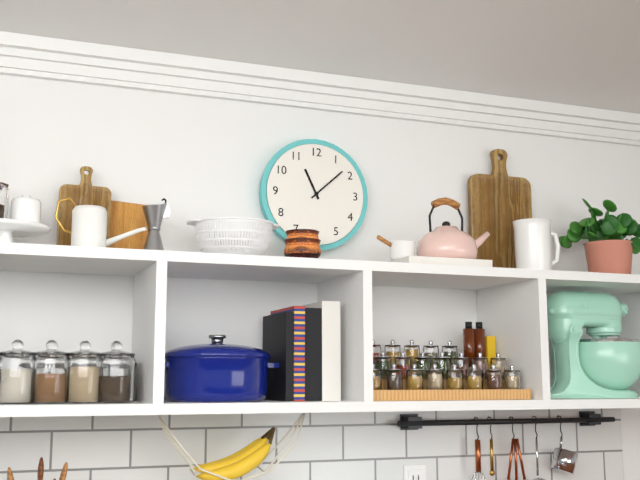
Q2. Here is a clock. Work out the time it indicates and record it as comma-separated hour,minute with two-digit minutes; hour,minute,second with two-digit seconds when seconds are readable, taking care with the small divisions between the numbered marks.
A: 11,08
